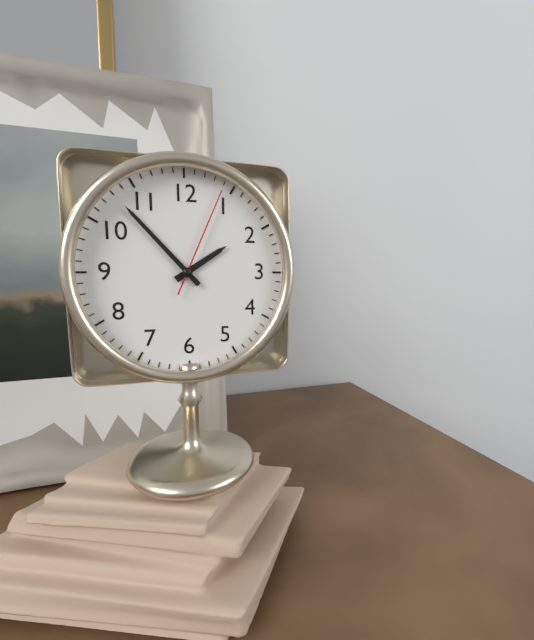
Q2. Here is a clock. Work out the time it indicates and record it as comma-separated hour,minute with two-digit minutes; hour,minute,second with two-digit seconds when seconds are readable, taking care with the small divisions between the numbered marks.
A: 1,53,04
